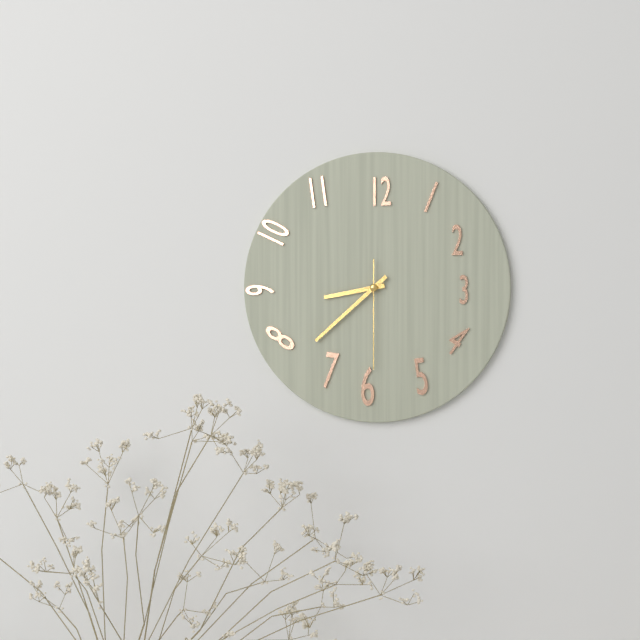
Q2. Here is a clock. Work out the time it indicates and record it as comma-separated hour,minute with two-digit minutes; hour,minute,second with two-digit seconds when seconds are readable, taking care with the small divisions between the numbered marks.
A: 8,38,30
